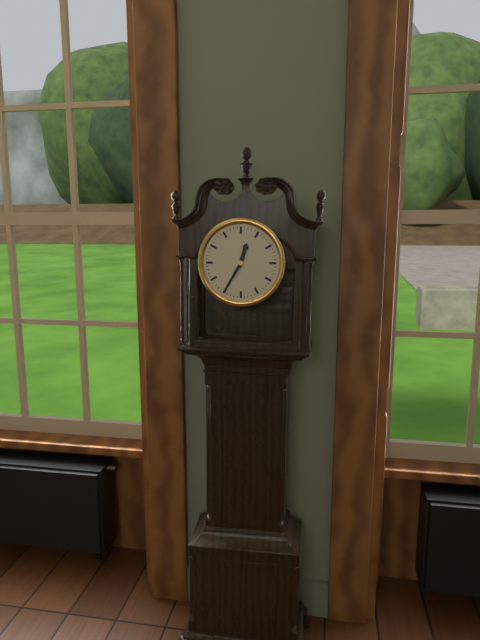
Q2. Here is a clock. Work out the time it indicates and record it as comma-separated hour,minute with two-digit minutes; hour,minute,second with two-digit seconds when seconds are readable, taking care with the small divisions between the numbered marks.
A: 12,35
